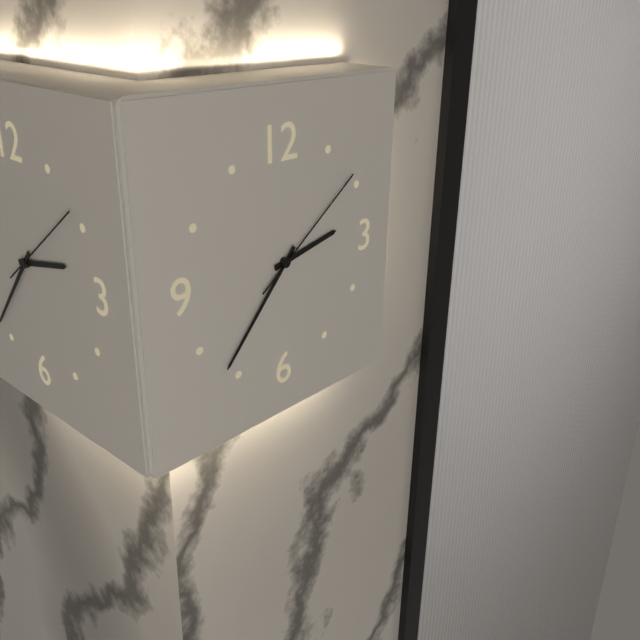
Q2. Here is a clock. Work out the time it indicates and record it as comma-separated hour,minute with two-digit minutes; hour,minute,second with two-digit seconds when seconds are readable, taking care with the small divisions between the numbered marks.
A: 2,37,09
